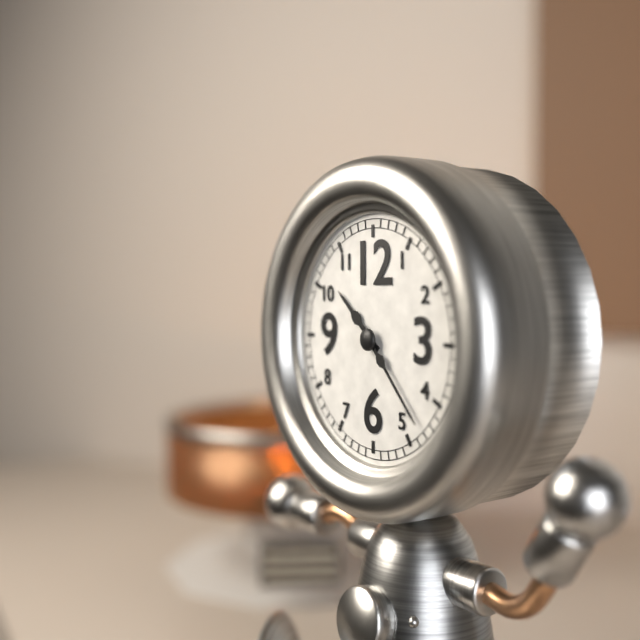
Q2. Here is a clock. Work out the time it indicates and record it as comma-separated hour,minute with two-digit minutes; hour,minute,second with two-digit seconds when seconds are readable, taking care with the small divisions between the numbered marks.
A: 10,23
